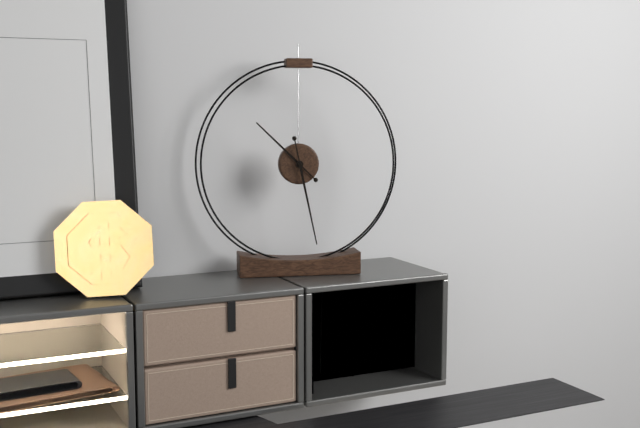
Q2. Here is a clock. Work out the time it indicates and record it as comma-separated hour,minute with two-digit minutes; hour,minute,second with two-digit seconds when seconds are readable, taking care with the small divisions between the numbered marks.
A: 10,28
